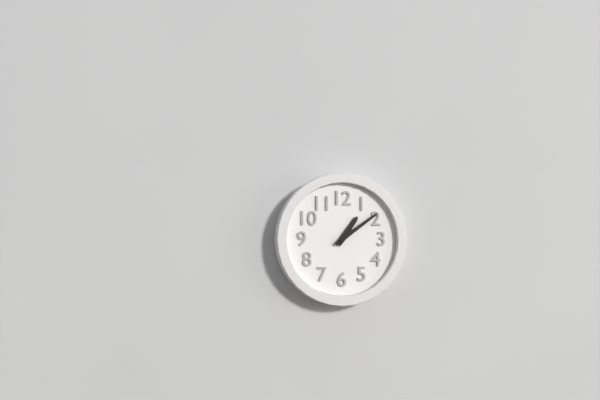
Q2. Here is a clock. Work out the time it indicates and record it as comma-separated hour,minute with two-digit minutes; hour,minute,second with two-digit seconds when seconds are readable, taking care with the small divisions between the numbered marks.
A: 1,09
